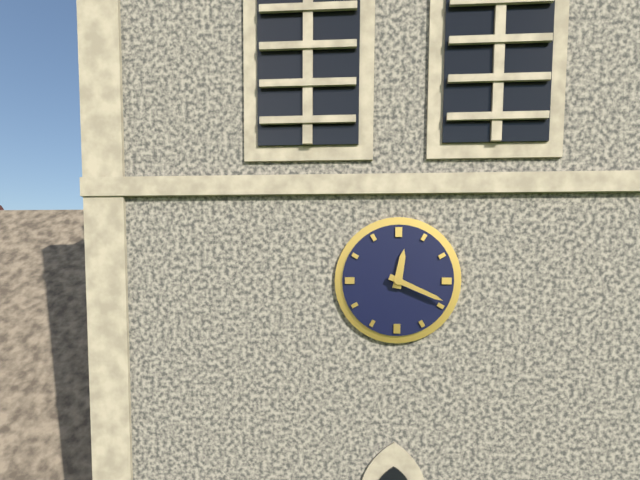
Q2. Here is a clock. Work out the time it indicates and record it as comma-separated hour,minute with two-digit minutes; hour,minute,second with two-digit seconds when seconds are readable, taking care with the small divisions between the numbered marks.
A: 12,19
